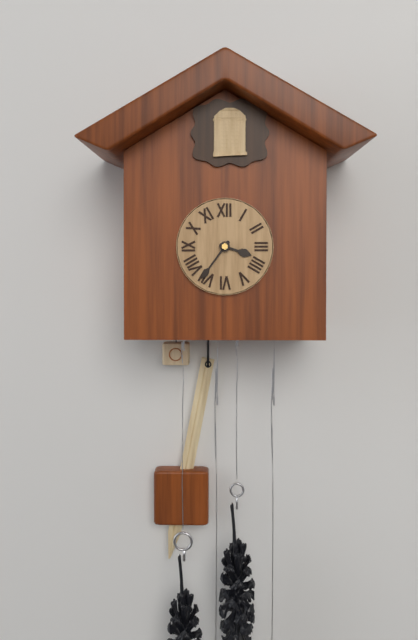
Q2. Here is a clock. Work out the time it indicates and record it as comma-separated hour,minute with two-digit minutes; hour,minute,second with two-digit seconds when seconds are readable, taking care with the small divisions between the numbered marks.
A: 3,36
